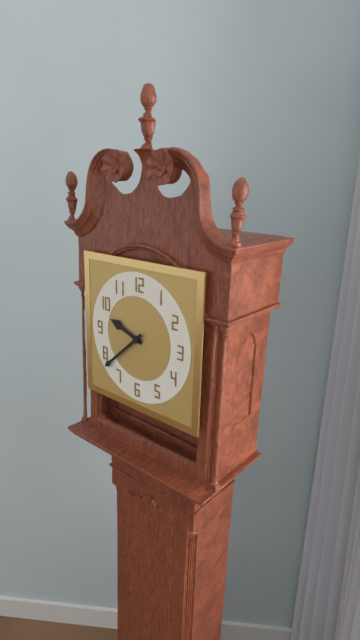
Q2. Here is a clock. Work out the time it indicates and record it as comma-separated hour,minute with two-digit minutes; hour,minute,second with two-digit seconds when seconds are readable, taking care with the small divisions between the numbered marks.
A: 9,38
